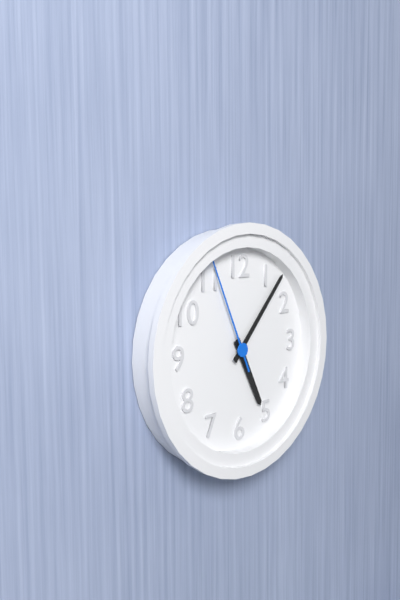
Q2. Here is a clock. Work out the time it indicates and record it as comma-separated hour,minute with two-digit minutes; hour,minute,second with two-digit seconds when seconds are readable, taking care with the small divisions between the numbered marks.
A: 5,07,56
